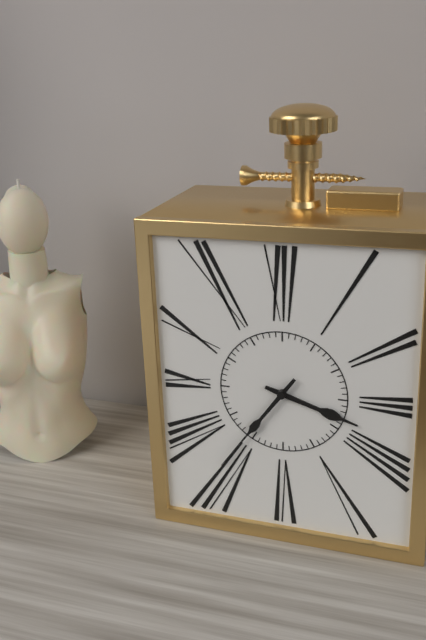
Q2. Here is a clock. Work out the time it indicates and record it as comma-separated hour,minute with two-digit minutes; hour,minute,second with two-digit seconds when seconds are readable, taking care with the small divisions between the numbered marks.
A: 3,36
